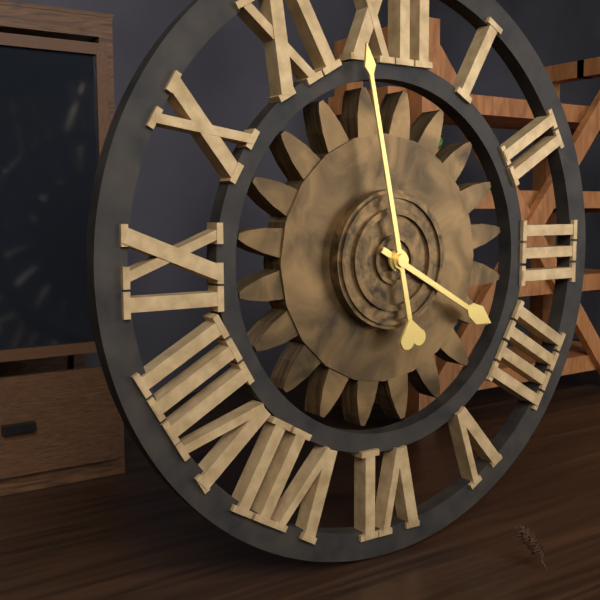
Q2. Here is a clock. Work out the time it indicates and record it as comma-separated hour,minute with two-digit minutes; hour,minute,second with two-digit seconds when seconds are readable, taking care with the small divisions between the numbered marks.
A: 3,58
